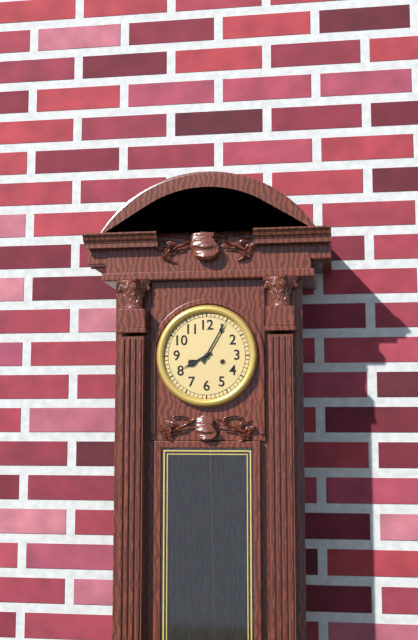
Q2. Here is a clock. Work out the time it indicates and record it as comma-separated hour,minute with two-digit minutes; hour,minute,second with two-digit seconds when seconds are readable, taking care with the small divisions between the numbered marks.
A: 8,05
